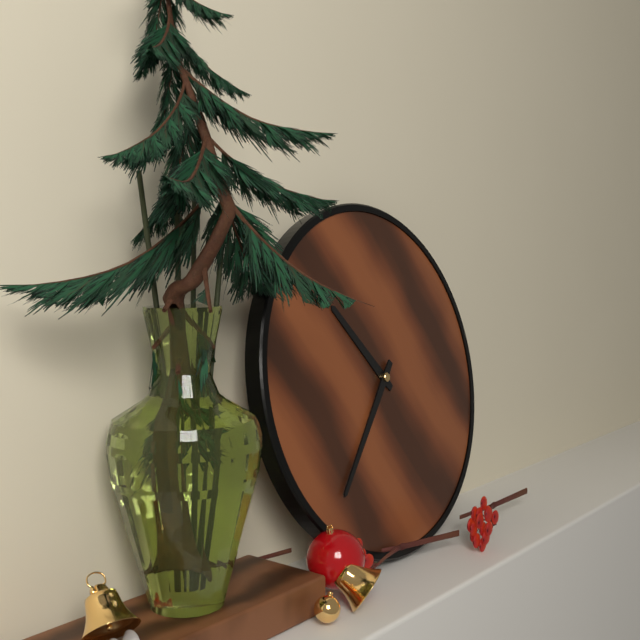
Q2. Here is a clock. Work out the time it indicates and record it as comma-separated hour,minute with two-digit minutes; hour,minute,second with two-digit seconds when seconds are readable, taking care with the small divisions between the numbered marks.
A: 10,37
